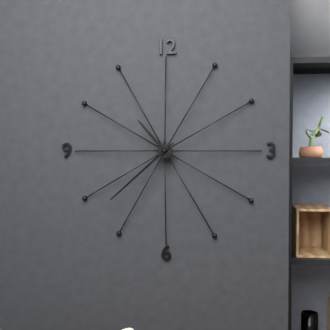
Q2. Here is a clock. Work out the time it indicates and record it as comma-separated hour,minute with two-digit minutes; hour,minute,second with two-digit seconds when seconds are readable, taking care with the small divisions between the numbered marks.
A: 10,38
